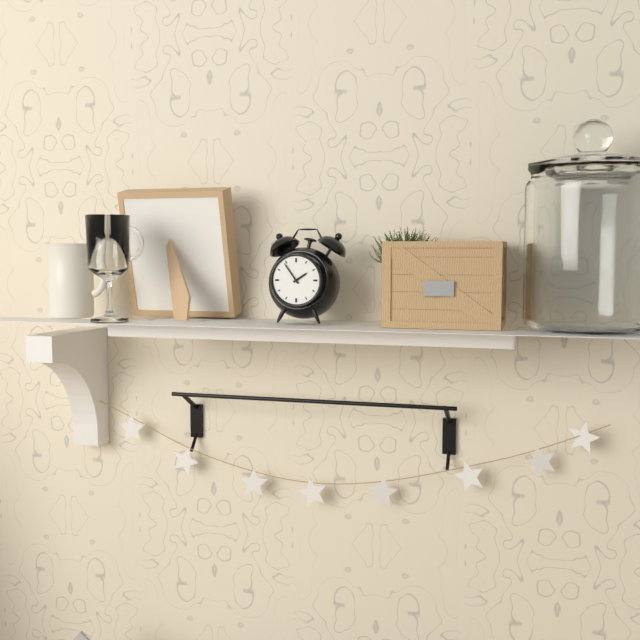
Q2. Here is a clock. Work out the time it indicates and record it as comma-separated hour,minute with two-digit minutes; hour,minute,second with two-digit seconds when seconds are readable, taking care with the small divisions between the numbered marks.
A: 1,54
